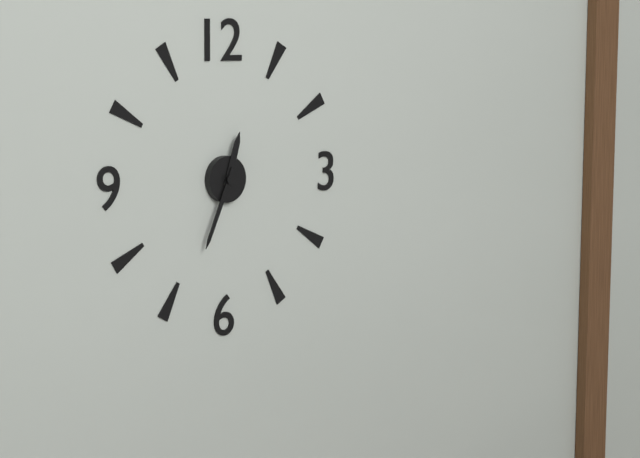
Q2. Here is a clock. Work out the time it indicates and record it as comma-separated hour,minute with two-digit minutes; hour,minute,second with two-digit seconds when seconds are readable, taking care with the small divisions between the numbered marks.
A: 12,34
